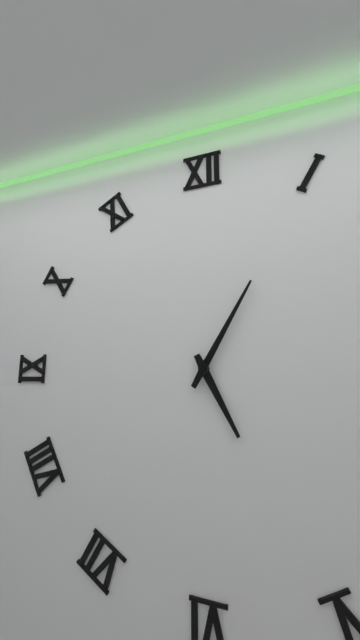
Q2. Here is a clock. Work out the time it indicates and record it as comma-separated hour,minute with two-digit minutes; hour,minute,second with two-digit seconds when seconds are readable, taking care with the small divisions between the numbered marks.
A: 5,05
